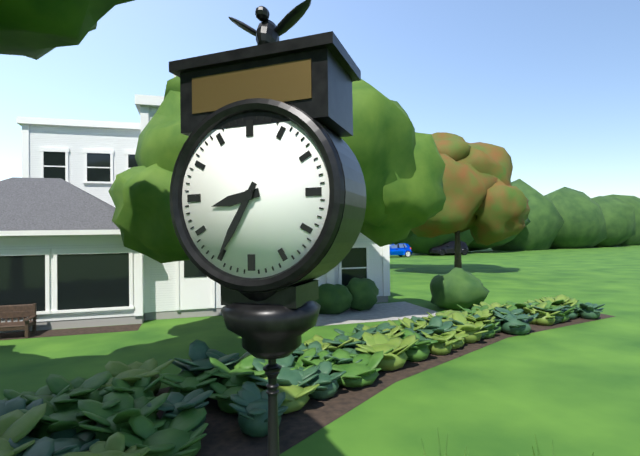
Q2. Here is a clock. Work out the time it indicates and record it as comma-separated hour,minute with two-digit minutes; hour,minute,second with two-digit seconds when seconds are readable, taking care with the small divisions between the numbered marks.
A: 8,35
